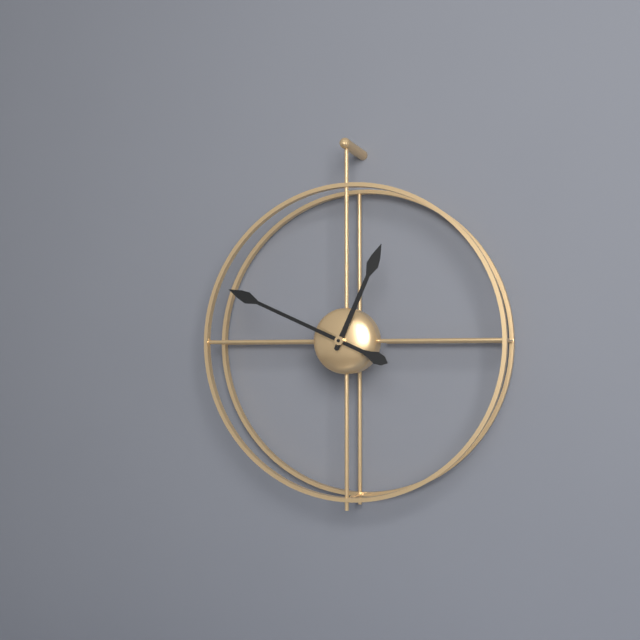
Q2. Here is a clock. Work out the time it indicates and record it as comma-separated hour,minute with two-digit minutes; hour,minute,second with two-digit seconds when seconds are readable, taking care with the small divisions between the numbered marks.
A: 12,49
